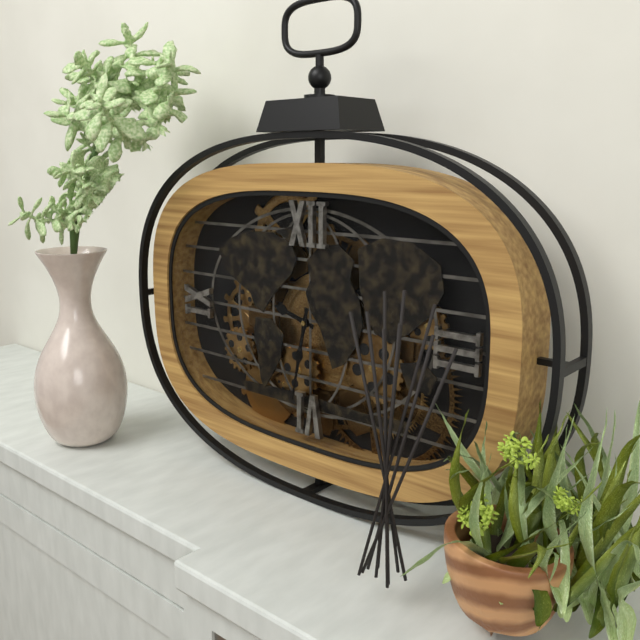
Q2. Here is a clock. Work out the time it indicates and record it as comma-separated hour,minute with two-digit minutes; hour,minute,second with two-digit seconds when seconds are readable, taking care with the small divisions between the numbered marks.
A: 9,32
